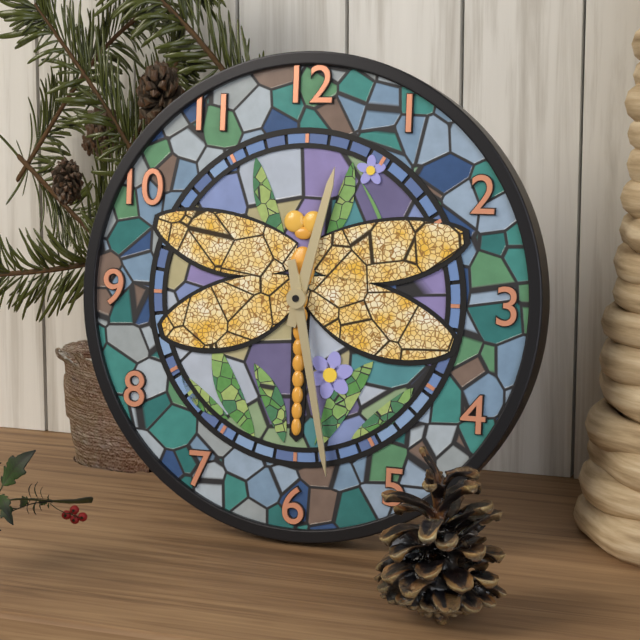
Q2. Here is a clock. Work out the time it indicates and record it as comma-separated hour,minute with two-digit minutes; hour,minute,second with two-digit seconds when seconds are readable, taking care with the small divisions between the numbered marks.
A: 12,28
